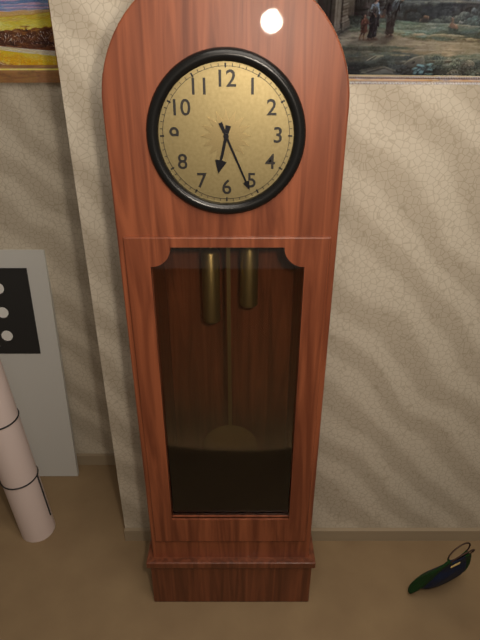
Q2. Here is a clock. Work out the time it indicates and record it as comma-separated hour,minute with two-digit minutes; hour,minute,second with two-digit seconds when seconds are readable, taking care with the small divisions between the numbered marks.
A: 6,26
